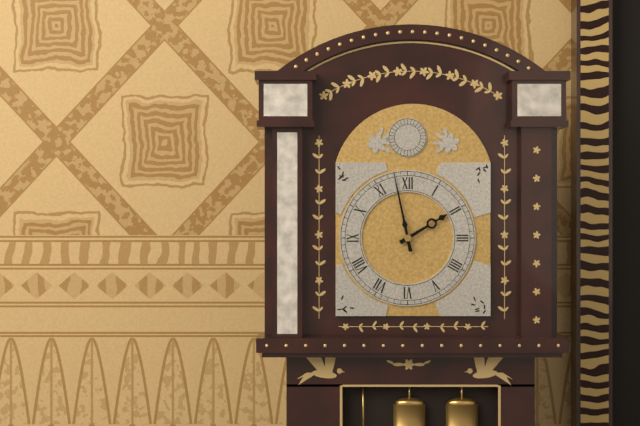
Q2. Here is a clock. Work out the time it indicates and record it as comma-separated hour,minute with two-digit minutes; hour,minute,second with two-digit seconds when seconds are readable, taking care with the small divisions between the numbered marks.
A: 1,58
